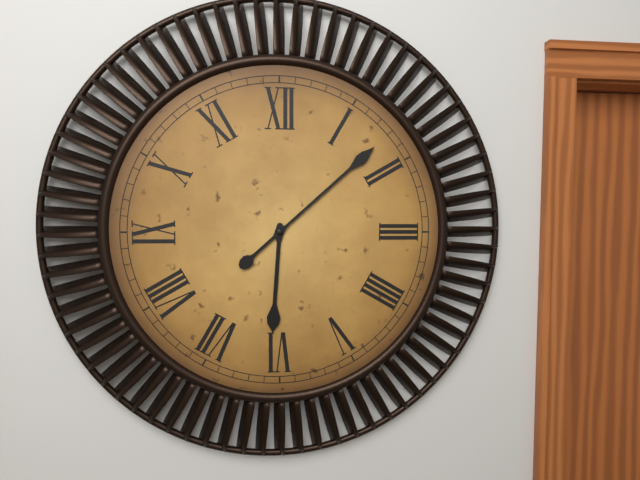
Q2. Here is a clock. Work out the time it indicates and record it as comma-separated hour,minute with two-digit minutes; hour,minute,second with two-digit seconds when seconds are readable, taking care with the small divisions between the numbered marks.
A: 6,08
